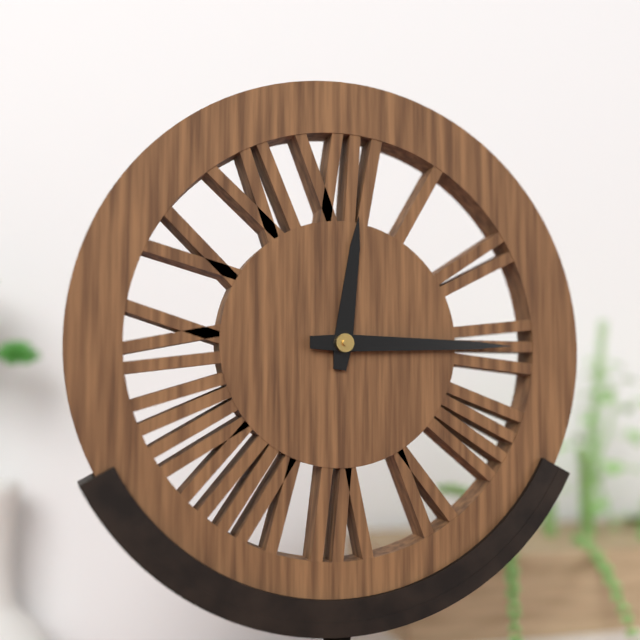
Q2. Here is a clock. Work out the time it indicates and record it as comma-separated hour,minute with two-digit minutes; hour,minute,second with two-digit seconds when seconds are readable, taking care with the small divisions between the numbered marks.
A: 12,15
